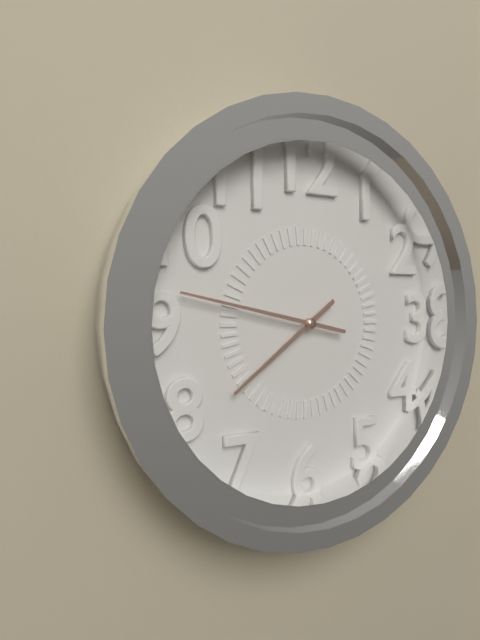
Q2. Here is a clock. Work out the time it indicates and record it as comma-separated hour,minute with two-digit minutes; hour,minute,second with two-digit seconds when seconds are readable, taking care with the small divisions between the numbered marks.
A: 7,47
